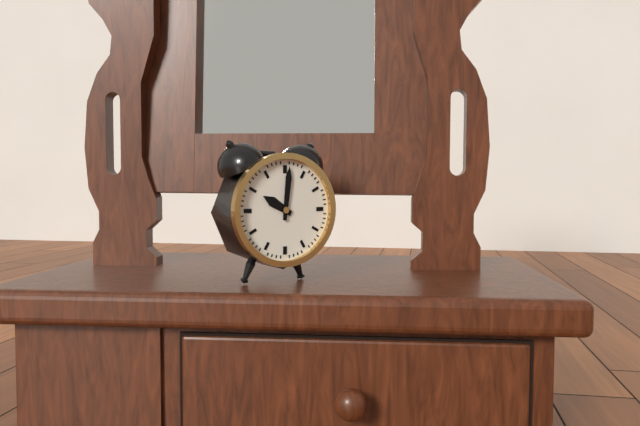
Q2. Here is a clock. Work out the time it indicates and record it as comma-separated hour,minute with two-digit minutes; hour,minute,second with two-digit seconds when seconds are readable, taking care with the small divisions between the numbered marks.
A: 10,01
